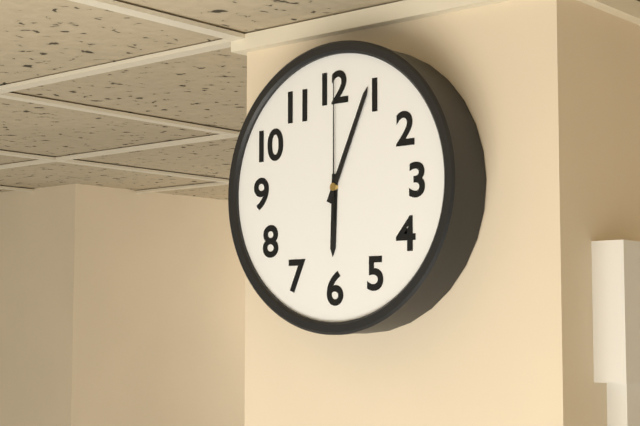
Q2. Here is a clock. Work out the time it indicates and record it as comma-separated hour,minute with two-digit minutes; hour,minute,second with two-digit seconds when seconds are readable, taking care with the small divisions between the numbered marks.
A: 6,04,00
